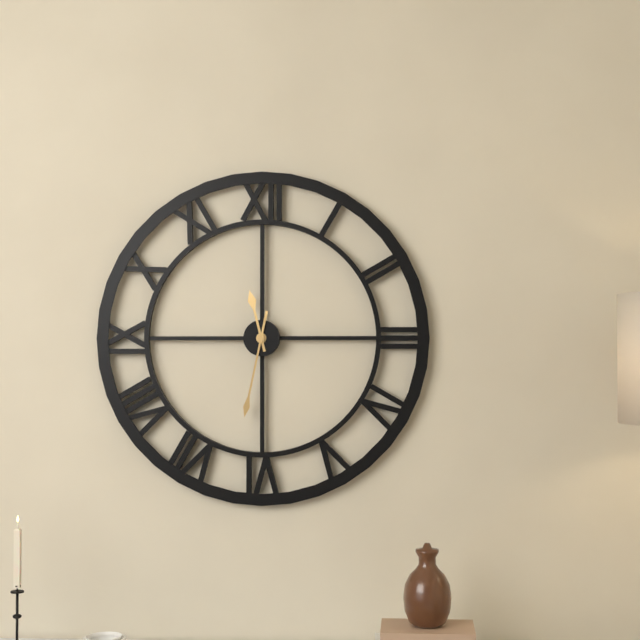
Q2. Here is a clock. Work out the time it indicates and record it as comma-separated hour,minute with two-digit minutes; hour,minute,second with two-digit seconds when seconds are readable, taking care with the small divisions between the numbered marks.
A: 11,32
